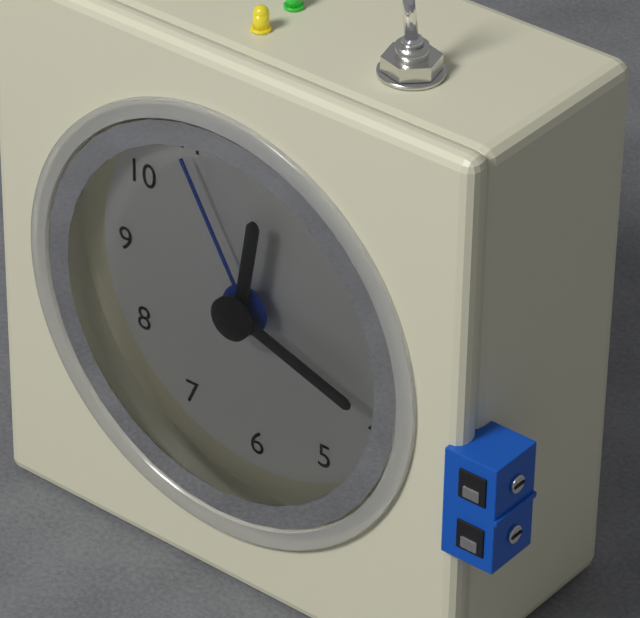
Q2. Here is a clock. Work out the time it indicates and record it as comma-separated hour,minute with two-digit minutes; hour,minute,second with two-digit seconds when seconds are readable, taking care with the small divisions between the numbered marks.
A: 12,18,55
